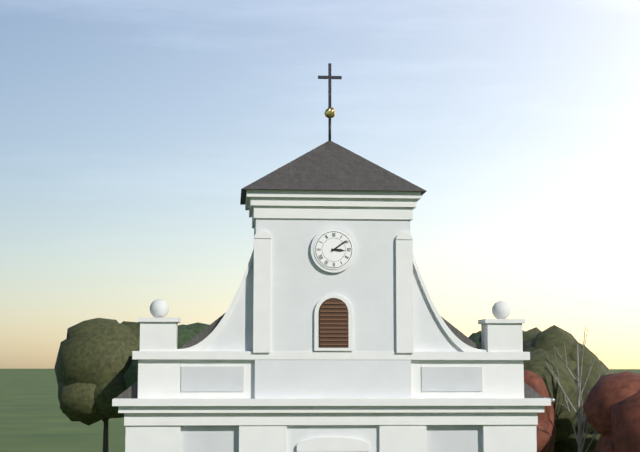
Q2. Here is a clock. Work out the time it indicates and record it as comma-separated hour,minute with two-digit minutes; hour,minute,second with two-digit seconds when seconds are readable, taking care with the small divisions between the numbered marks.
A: 3,09
